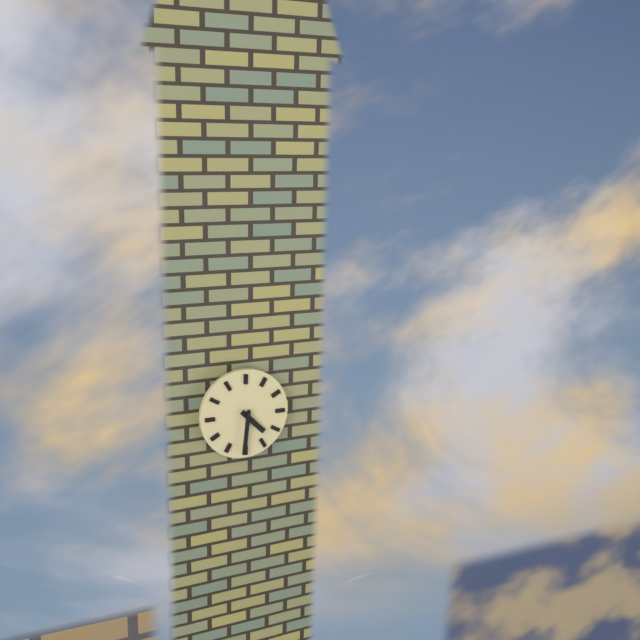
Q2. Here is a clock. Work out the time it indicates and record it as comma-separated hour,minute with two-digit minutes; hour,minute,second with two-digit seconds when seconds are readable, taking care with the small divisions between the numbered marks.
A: 4,31
